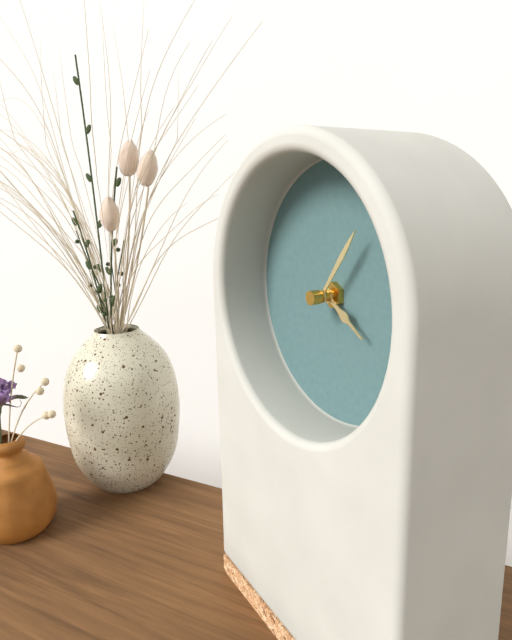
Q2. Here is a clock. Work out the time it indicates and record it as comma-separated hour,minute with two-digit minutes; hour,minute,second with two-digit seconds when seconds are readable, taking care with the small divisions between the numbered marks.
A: 4,06
